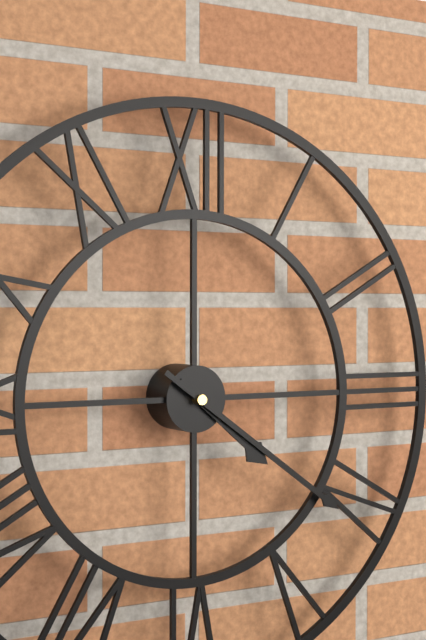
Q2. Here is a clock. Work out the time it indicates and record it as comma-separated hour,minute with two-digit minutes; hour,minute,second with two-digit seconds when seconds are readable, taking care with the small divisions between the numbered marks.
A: 4,21
